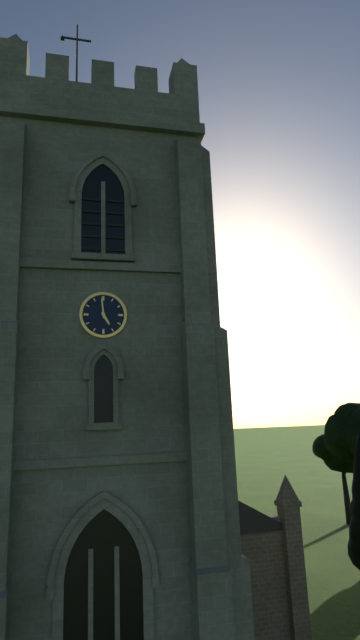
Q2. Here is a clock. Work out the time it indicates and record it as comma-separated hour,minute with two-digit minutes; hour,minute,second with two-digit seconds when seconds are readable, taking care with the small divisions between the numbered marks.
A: 4,59
